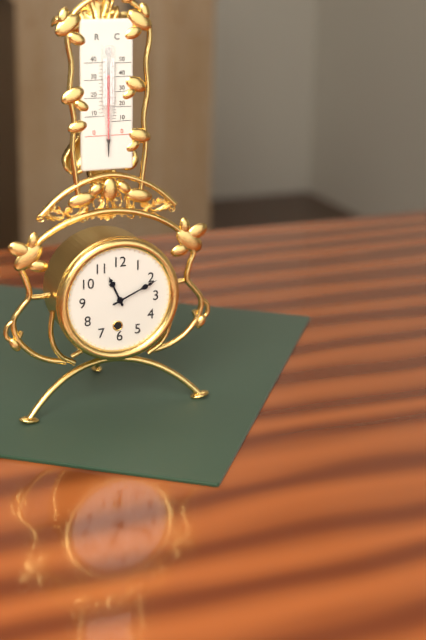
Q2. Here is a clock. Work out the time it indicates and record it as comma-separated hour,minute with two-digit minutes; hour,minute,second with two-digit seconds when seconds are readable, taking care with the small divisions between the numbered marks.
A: 11,11
